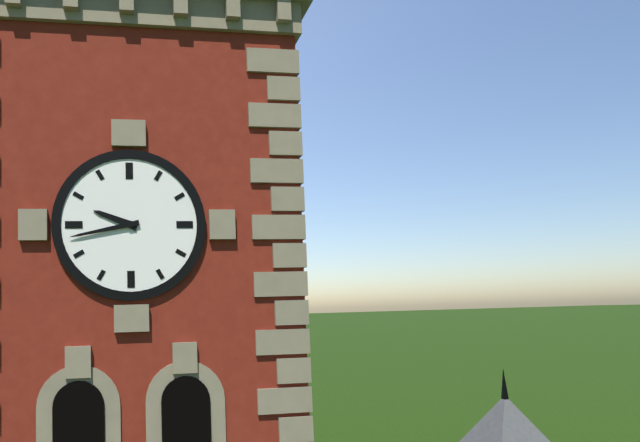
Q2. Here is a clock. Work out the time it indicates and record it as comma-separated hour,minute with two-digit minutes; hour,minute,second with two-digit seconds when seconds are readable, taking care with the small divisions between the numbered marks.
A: 9,43
